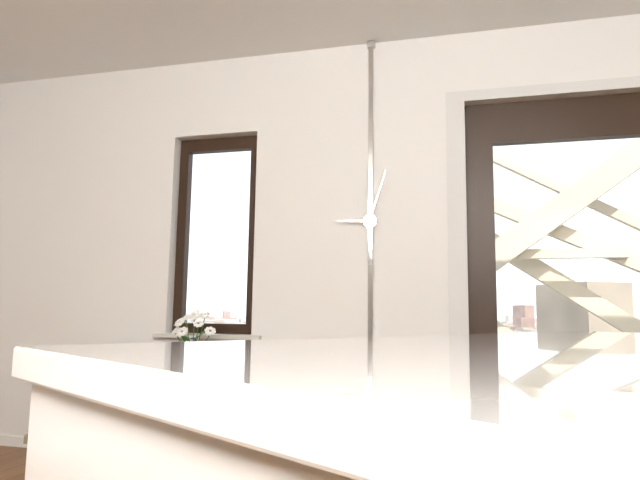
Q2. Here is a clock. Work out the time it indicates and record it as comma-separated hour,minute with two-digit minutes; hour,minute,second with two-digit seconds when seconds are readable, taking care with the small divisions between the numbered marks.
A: 9,03
